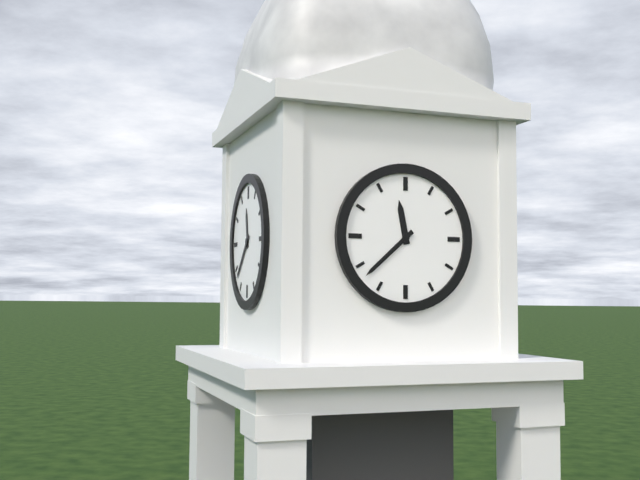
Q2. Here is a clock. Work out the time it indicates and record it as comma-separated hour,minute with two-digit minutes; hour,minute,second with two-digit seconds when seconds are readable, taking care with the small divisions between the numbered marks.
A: 11,38
